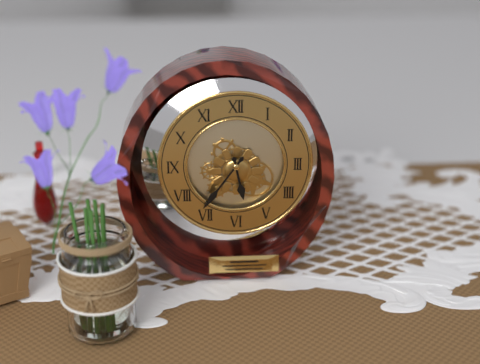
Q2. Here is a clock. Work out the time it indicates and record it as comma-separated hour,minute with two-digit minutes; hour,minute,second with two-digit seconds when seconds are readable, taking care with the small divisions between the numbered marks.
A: 5,36
